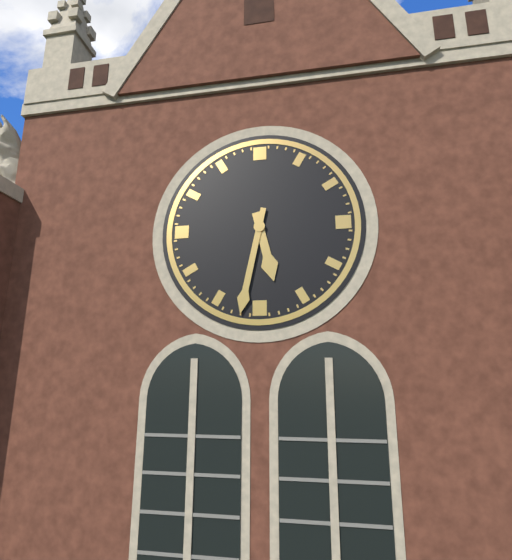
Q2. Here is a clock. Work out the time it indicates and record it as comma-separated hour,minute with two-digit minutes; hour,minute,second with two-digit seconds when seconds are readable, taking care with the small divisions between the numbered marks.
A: 5,32
